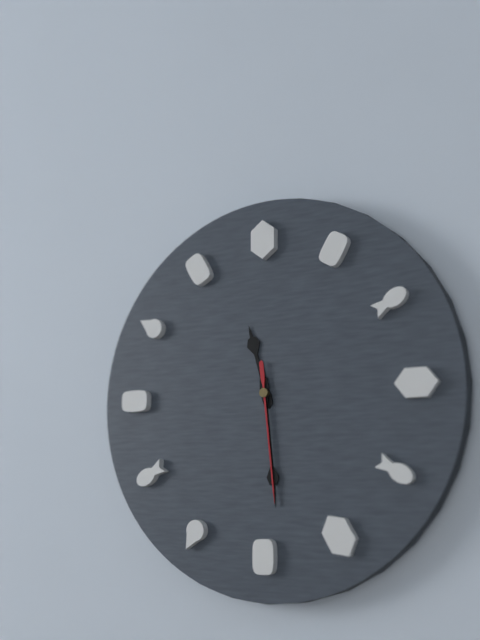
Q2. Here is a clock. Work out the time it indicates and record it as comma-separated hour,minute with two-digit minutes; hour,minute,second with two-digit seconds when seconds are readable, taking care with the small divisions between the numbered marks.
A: 11,29,29
